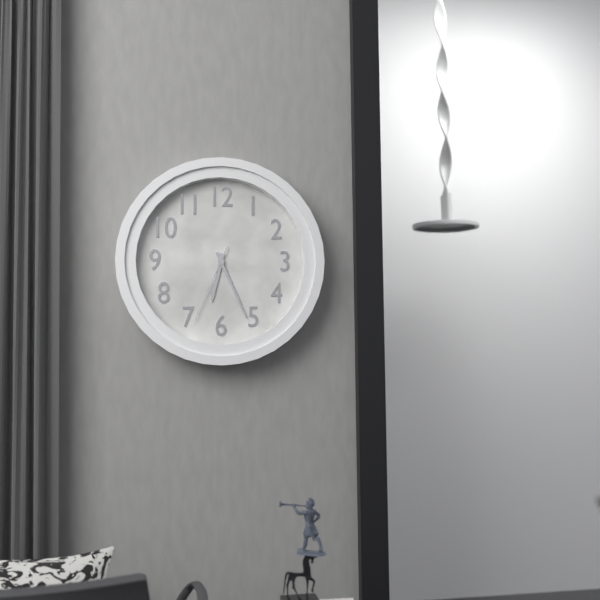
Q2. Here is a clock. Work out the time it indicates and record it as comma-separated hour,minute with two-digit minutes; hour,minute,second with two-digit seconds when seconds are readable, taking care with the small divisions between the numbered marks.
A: 6,26,34
